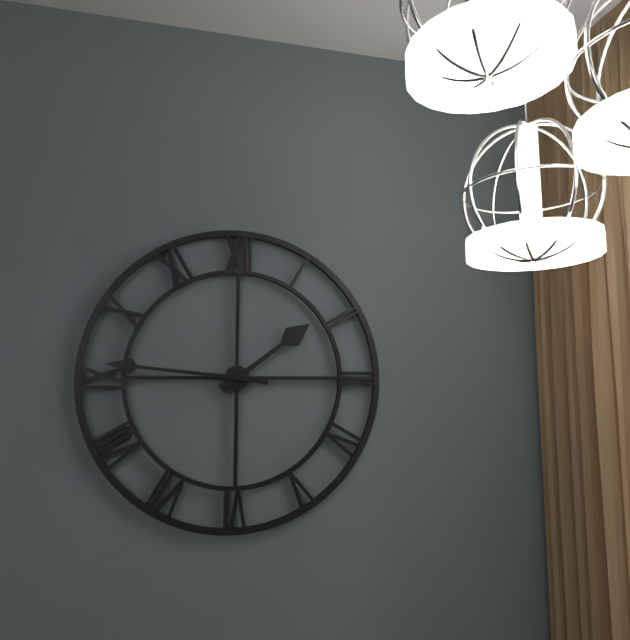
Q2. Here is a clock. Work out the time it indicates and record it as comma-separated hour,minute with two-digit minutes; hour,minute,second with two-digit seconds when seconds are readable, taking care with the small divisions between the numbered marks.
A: 1,46
